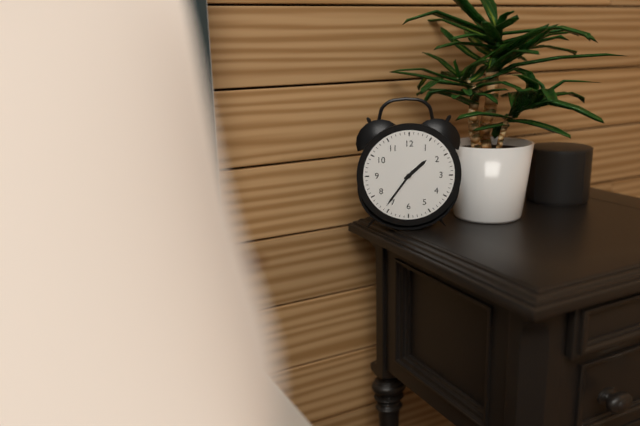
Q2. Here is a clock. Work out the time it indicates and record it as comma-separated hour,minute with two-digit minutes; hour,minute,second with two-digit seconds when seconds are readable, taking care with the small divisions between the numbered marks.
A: 1,36
